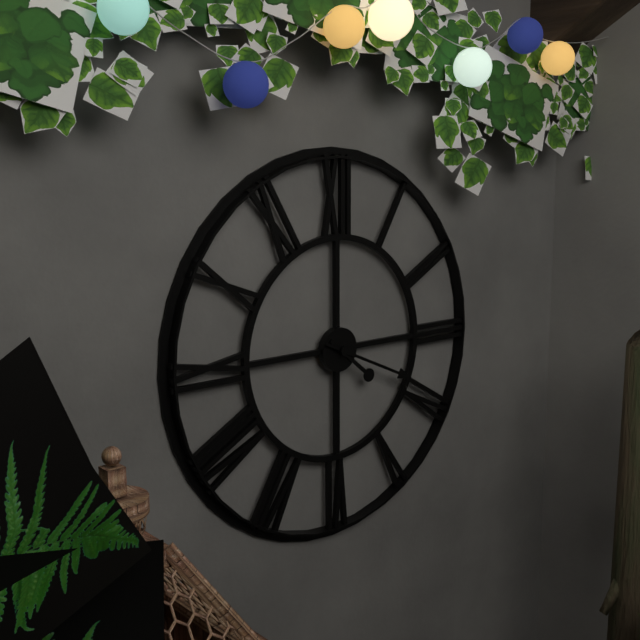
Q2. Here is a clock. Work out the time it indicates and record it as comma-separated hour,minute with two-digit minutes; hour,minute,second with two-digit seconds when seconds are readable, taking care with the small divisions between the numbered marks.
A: 4,19
